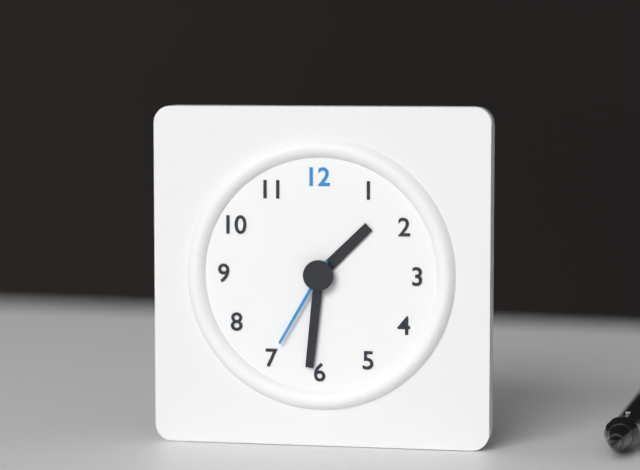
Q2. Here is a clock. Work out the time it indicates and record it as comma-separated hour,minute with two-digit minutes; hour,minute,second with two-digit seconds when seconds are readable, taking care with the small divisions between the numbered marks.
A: 1,31,35
